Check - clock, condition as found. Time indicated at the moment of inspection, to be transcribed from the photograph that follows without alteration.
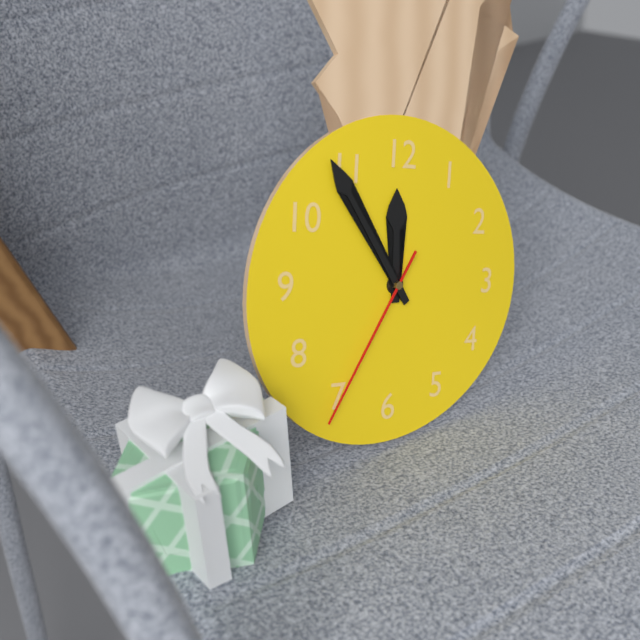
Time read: 11:54:35
